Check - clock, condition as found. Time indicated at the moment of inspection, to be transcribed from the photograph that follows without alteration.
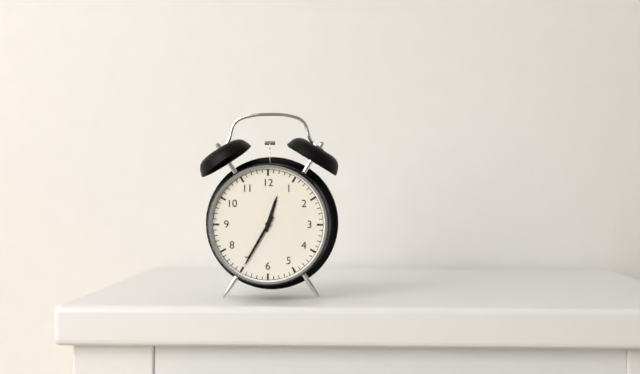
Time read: 12:35
